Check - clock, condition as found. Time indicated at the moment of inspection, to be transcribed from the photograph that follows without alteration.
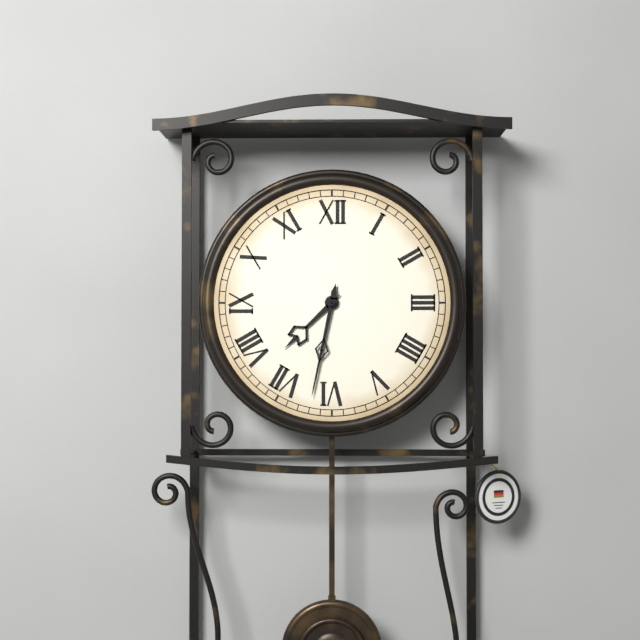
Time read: 7:32
